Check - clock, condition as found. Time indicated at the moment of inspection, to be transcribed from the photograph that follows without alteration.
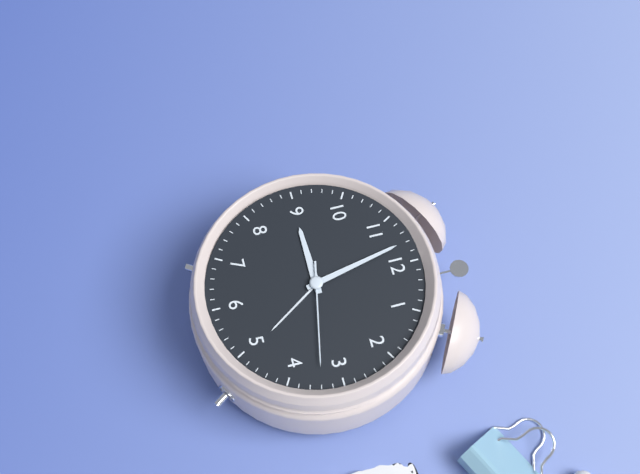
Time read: 8:58:17
